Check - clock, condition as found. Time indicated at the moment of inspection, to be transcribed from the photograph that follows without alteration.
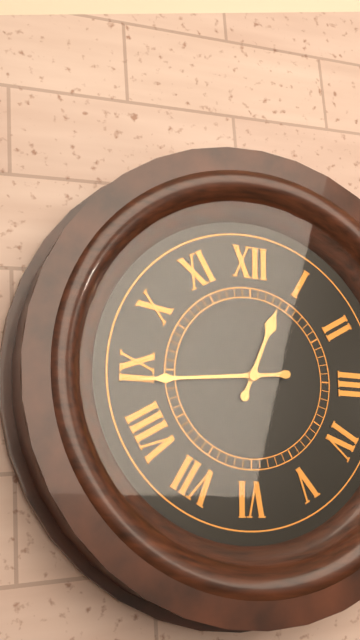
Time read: 12:44
